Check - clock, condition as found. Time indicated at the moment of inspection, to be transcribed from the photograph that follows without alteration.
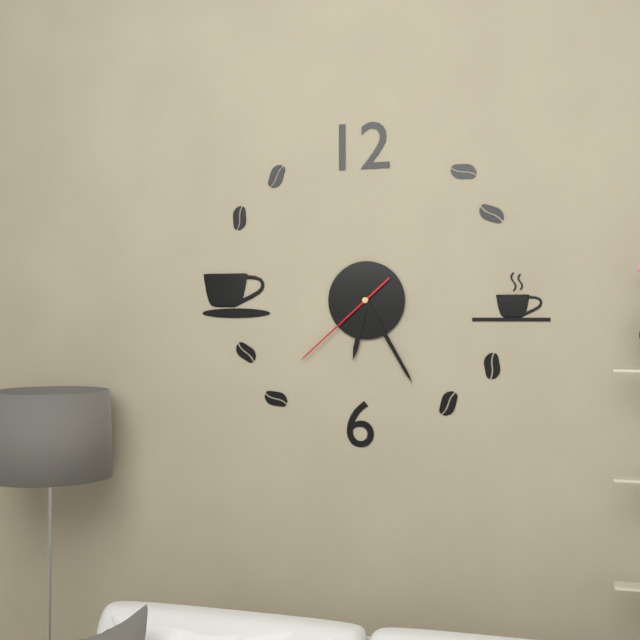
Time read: 6:25:38
